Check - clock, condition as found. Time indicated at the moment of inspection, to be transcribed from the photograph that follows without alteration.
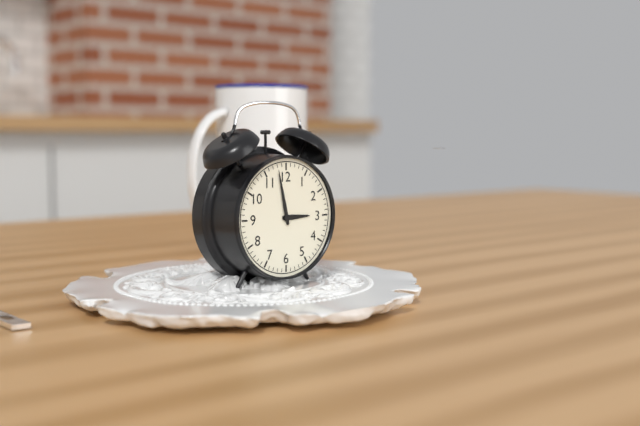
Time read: 2:58
